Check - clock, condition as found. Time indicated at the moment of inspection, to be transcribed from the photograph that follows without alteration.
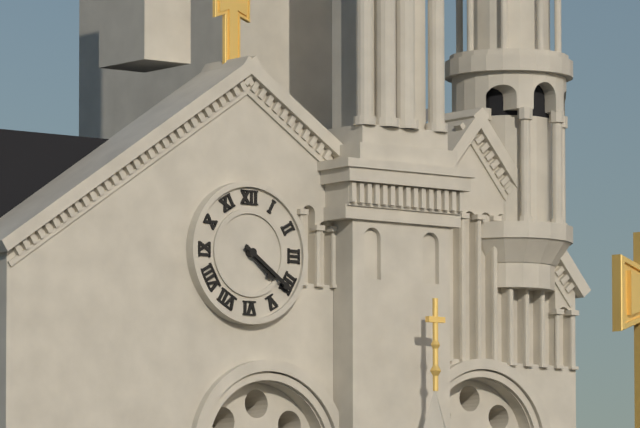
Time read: 4:21
